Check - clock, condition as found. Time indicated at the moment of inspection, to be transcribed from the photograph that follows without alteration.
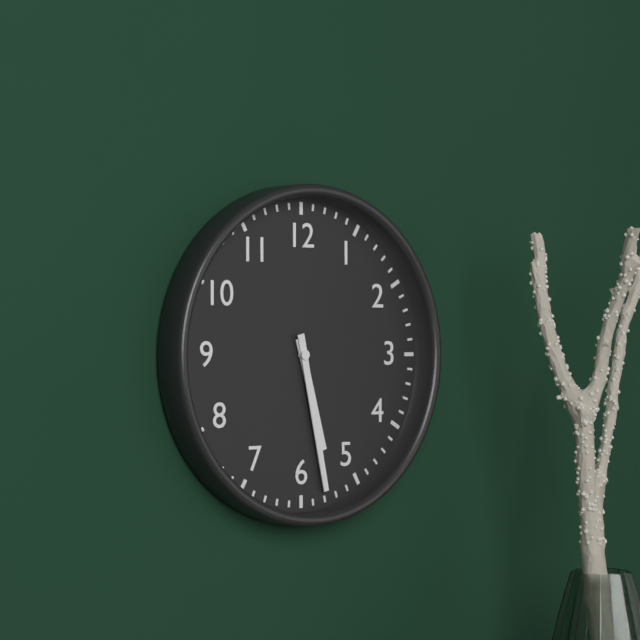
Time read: 5:28
